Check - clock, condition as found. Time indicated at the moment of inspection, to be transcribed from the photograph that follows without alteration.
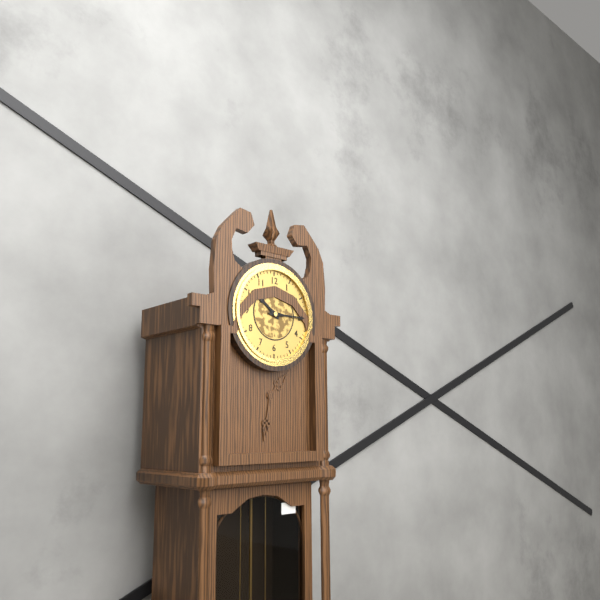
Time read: 10:15
